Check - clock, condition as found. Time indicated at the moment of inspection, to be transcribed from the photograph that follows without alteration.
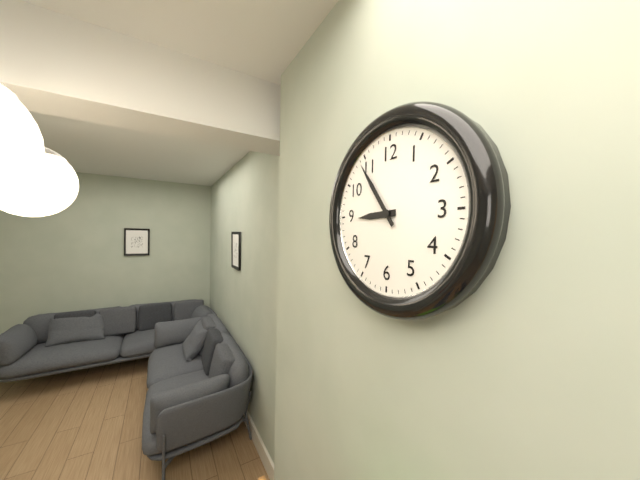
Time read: 8:54
